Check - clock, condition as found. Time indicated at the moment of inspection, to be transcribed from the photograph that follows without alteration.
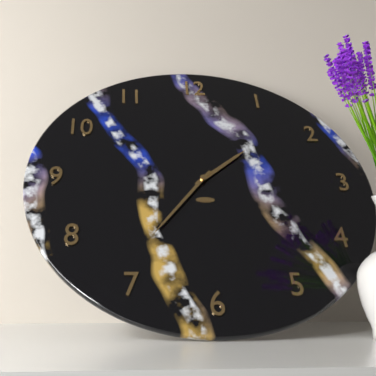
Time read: 1:36
